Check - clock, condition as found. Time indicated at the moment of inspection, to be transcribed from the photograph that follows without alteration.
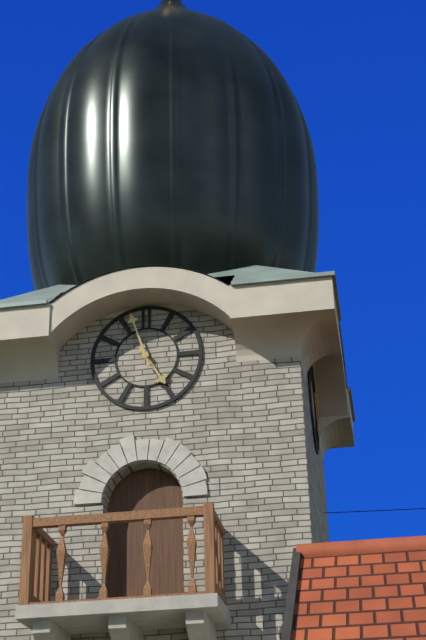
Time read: 4:57
